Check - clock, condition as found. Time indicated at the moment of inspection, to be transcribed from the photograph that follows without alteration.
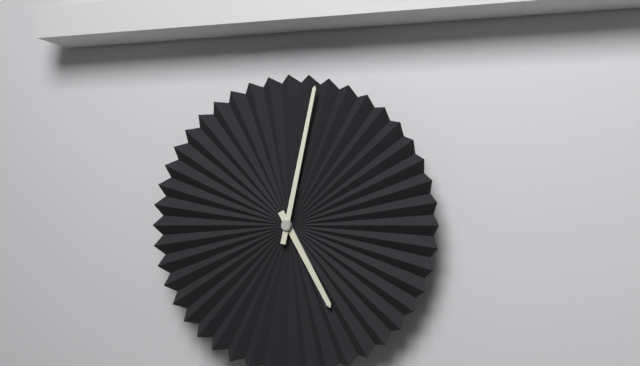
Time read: 5:02
